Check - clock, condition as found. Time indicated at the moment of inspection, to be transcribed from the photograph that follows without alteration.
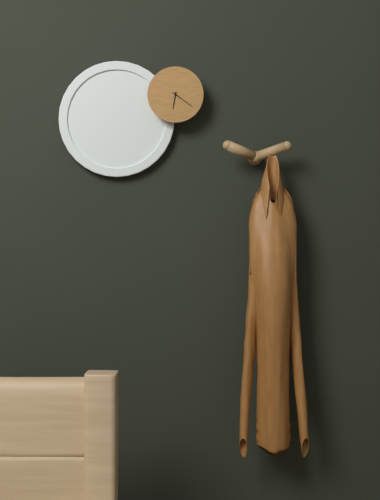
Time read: 6:21
